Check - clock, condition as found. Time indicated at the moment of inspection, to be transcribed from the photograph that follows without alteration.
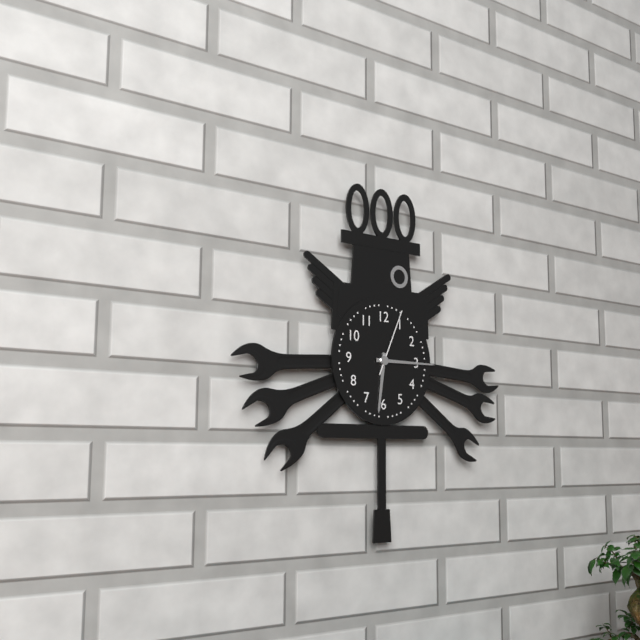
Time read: 6:15:04
